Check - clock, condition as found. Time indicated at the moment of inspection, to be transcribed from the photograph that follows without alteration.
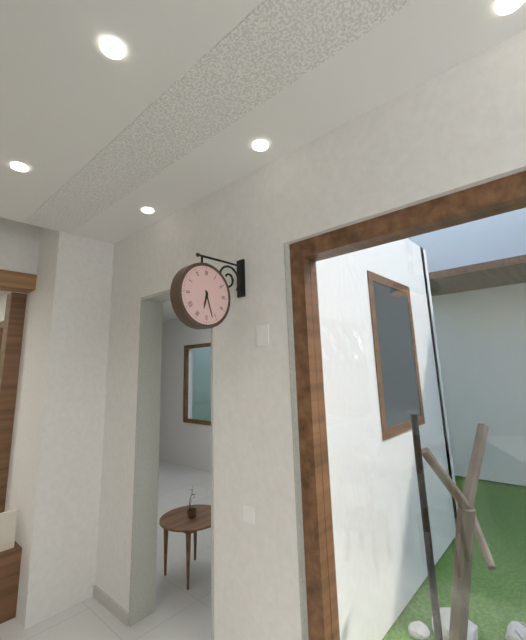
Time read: 6:27
